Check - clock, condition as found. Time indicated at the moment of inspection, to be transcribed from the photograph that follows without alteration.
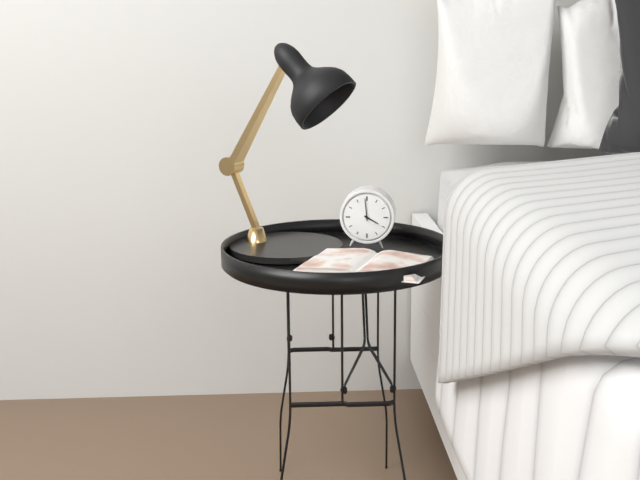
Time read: 3:59
